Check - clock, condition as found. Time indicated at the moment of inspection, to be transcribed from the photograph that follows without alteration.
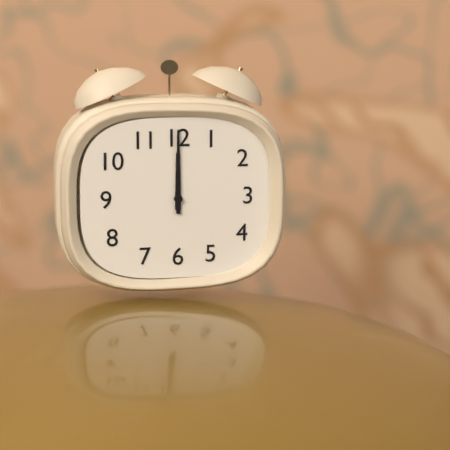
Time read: 12:00
